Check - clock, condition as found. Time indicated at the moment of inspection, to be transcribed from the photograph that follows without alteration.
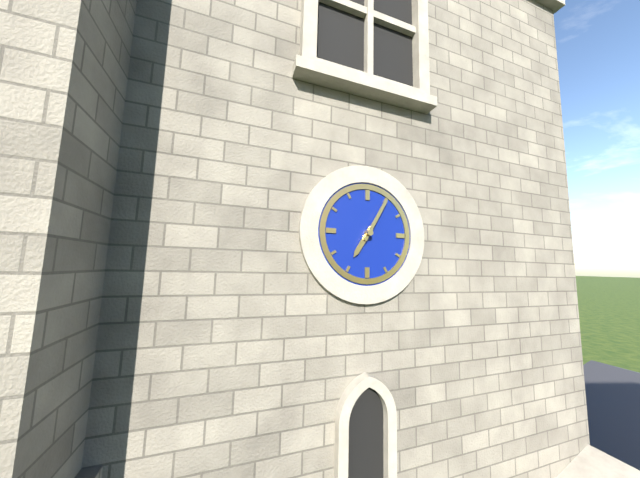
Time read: 7:05
